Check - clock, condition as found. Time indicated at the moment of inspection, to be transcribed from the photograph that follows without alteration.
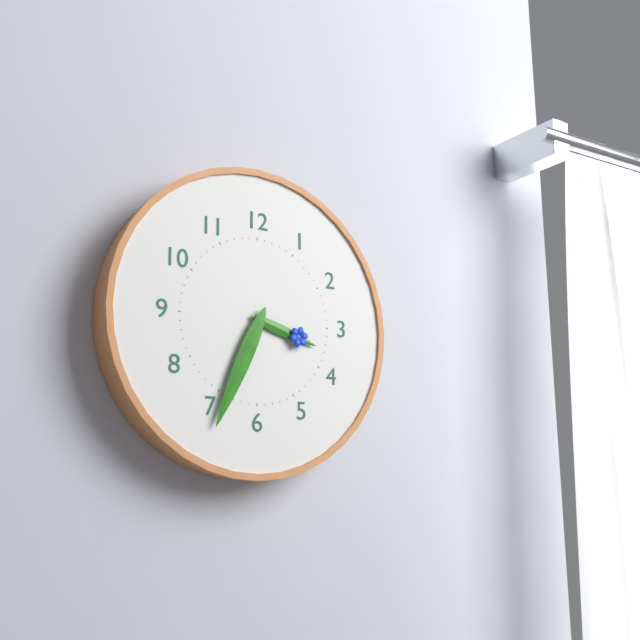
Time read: 3:34
